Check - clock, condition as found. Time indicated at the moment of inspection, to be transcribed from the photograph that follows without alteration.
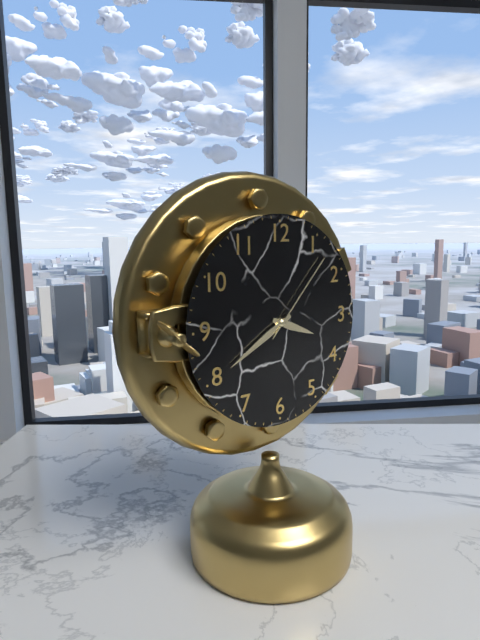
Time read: 3:40:07
